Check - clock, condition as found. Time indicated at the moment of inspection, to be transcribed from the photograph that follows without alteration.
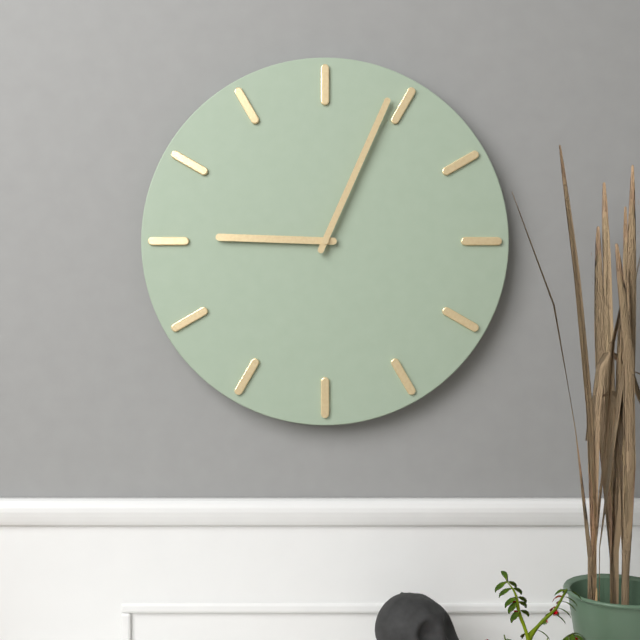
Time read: 9:04
